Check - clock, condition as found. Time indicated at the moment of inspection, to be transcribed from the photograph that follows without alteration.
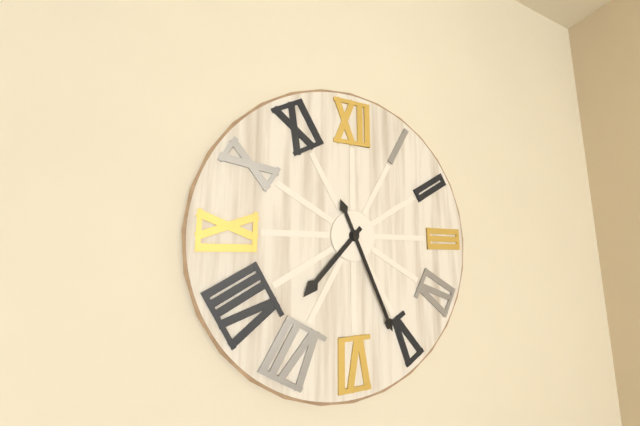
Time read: 7:26
